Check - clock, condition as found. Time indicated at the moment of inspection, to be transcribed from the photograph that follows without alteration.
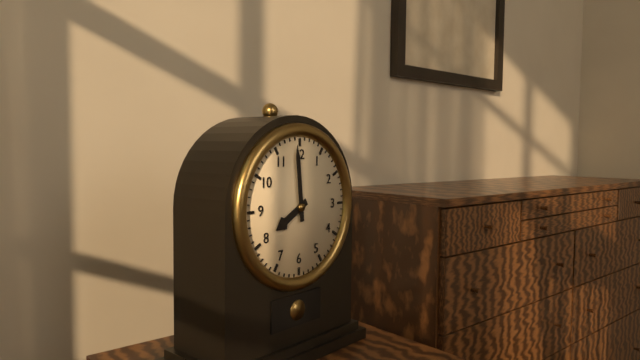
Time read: 7:59
